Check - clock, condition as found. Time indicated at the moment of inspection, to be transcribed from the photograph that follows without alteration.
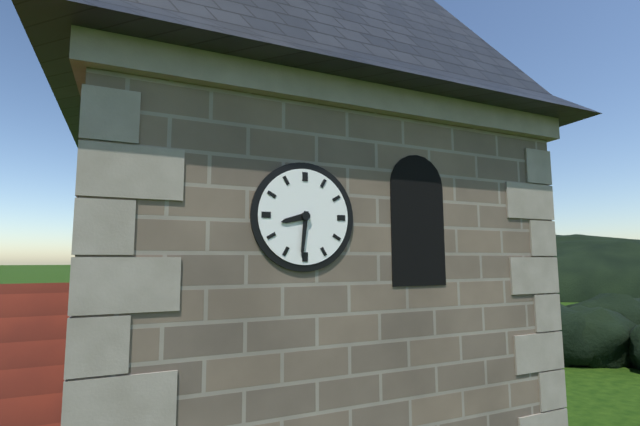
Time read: 8:31
